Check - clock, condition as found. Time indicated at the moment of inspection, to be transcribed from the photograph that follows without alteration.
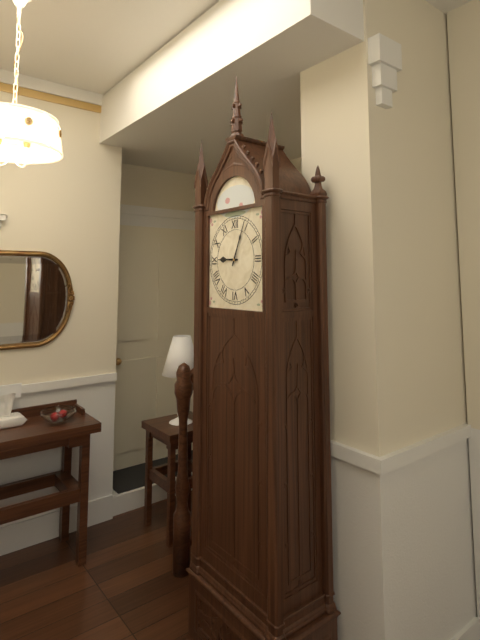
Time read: 9:04
